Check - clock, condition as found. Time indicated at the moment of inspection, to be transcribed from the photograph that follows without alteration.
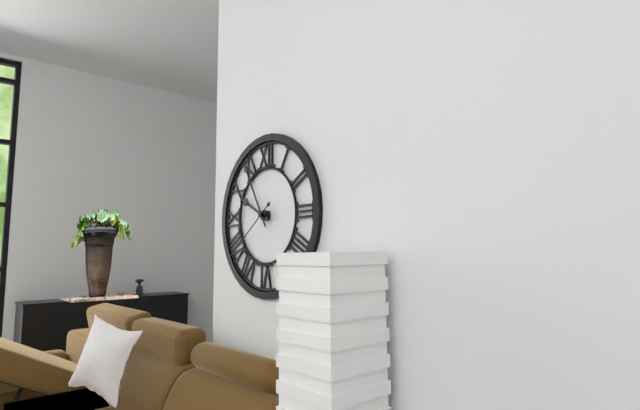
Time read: 9:55:39
